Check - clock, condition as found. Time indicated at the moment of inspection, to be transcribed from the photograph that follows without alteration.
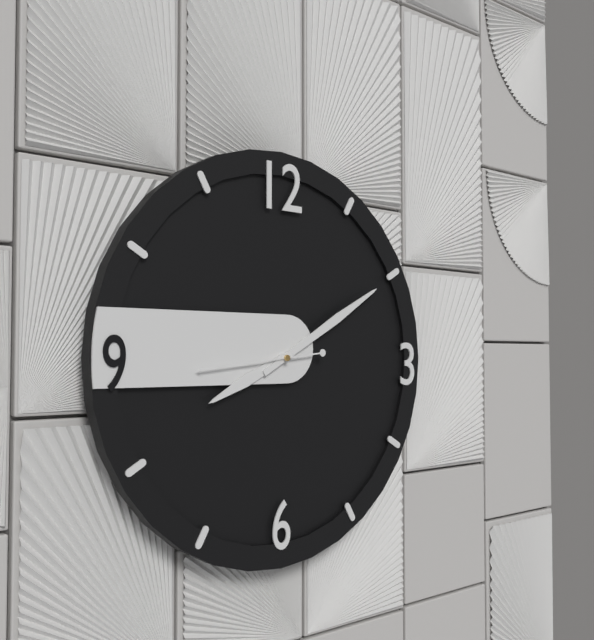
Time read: 8:10:44
